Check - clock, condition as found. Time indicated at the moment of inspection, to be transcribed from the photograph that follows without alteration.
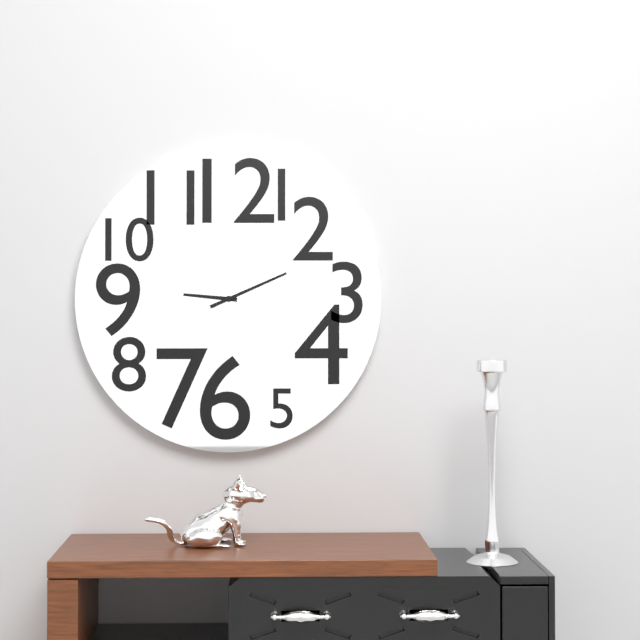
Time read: 9:11
